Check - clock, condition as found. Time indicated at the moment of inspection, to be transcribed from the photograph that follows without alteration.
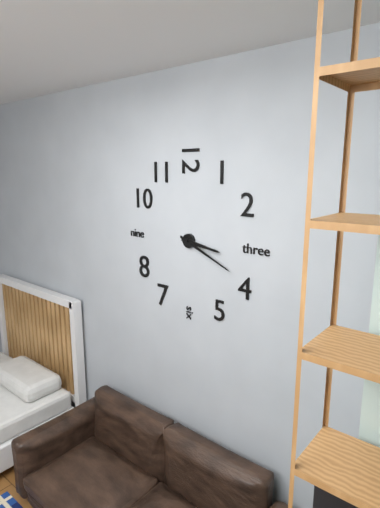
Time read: 3:19
